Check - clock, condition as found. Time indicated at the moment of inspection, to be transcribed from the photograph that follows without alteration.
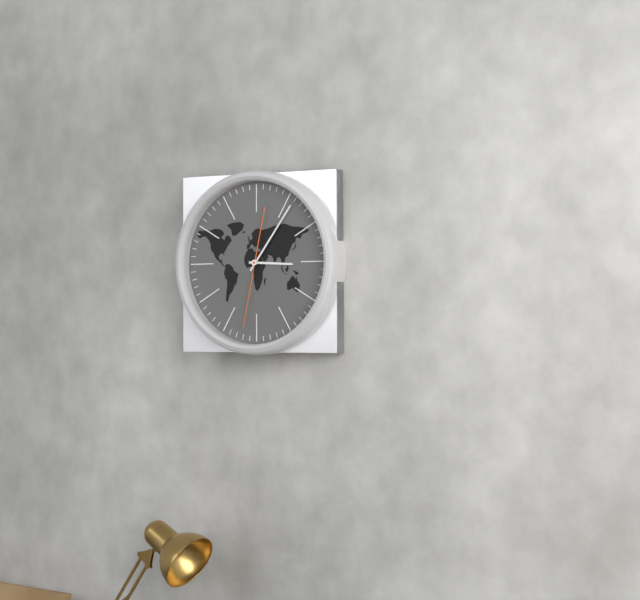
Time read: 3:06:32
